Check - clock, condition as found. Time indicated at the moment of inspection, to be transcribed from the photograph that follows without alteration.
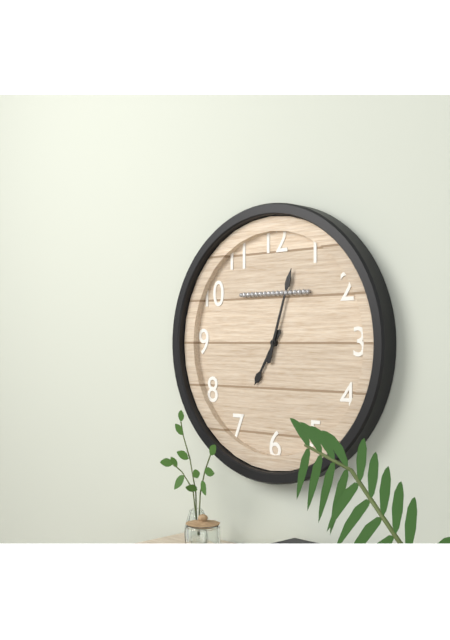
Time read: 7:03
